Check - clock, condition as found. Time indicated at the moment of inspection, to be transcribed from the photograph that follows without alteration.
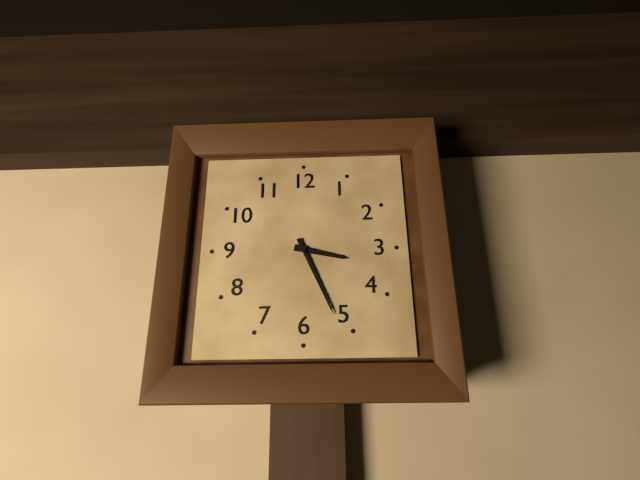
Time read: 3:26
